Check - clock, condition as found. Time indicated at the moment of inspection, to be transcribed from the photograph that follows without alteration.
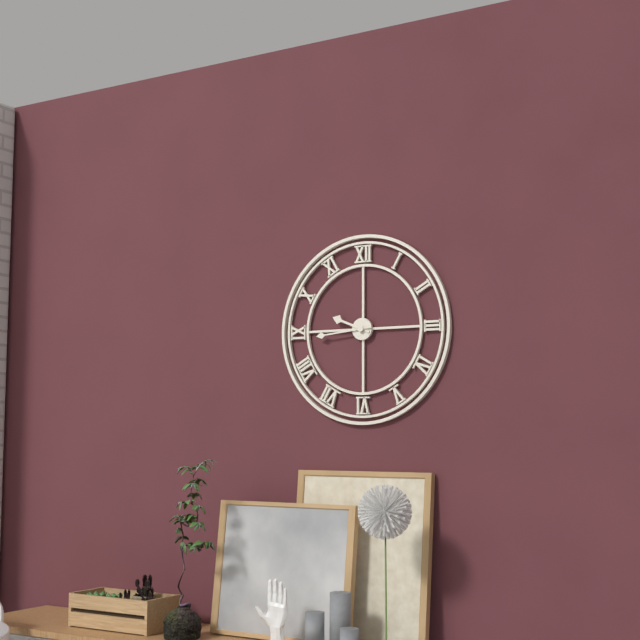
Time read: 9:44
